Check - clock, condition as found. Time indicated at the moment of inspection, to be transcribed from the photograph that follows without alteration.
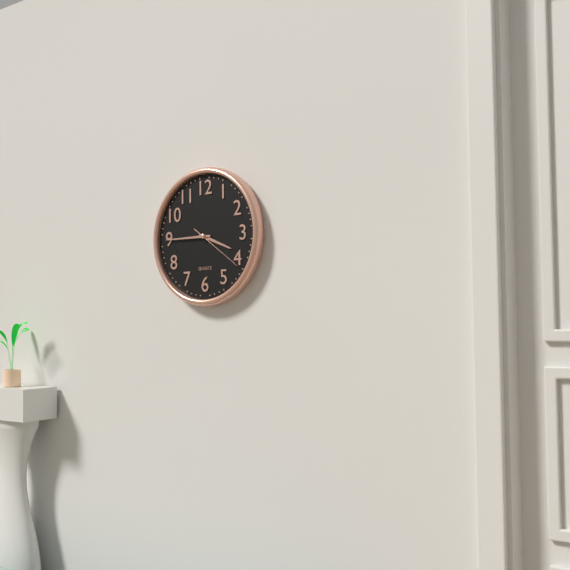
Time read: 3:45:21
